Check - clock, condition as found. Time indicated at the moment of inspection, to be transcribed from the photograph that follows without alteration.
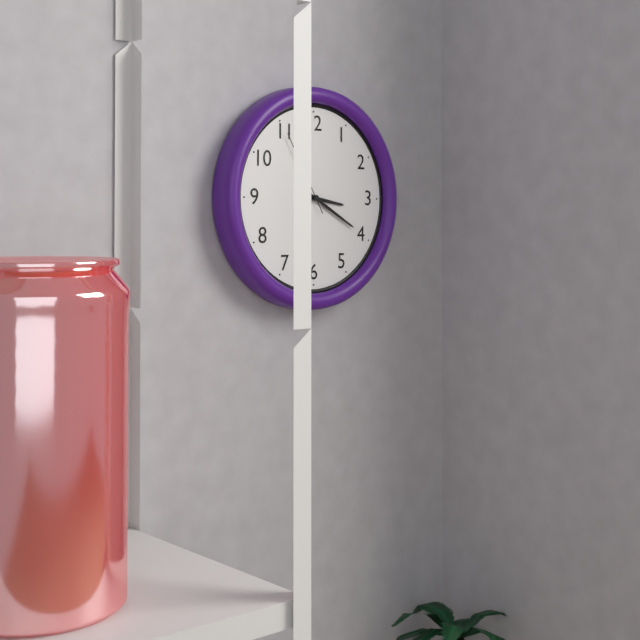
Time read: 3:20:55
